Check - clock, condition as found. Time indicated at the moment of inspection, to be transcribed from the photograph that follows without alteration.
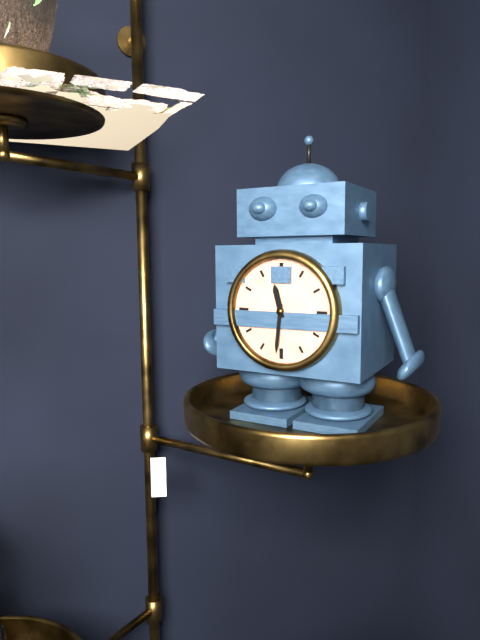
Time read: 11:31
